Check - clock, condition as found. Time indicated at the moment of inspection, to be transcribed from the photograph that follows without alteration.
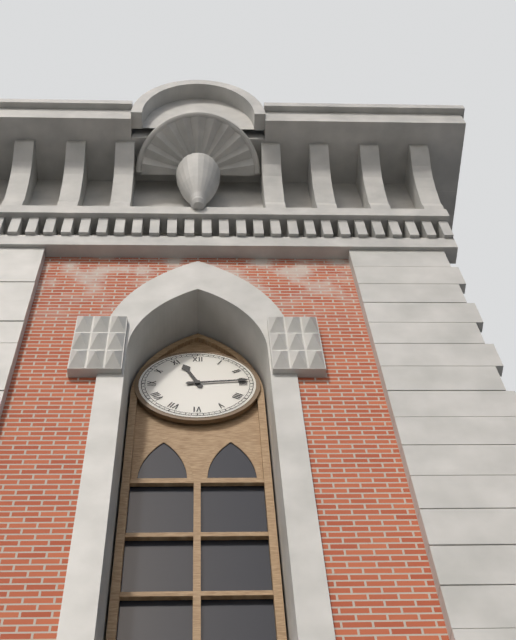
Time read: 11:14
